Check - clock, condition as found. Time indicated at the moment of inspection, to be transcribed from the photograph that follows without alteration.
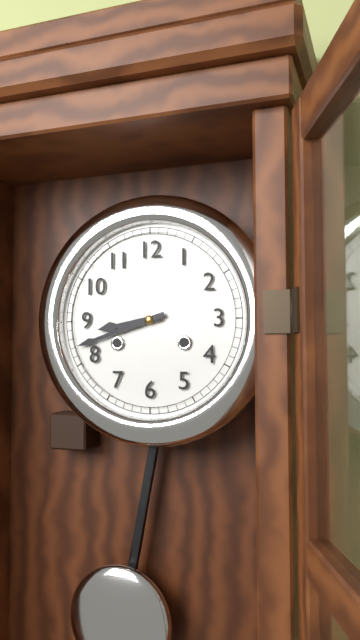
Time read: 8:42
